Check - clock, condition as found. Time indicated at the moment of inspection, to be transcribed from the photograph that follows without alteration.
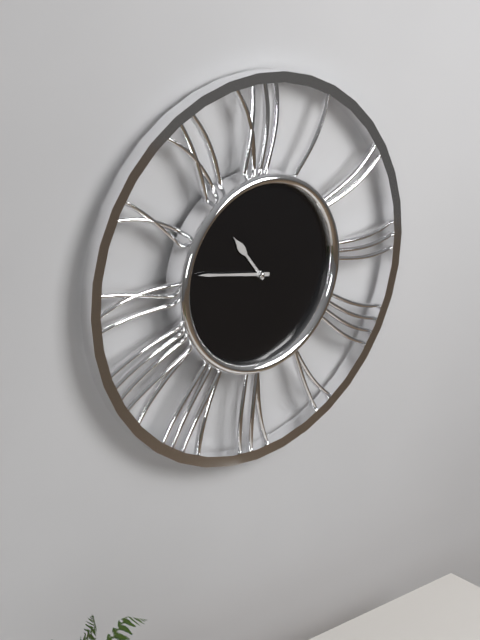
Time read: 10:47
